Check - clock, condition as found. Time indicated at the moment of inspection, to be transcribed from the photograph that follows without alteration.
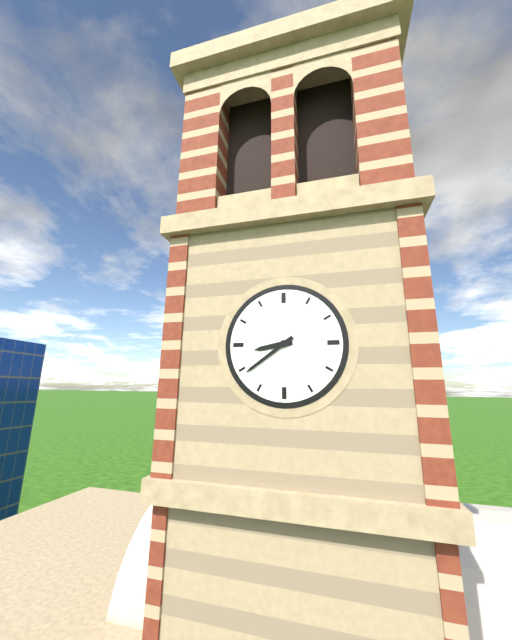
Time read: 8:39
